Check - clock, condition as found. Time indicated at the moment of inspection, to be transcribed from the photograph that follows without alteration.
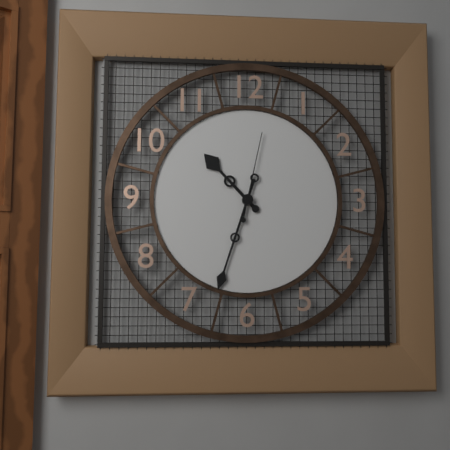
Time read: 10:33:02
